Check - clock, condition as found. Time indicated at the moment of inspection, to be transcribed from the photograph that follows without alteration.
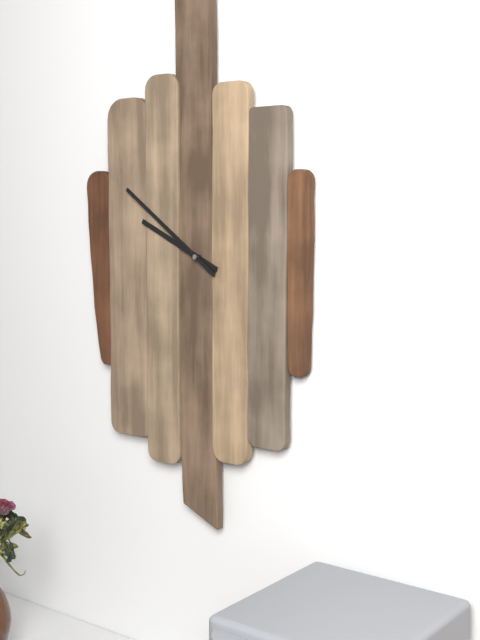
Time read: 9:51
